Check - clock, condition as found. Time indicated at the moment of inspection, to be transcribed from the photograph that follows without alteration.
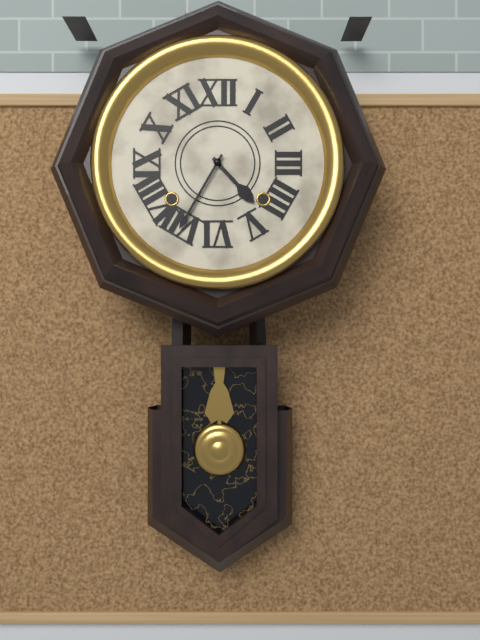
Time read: 4:35
